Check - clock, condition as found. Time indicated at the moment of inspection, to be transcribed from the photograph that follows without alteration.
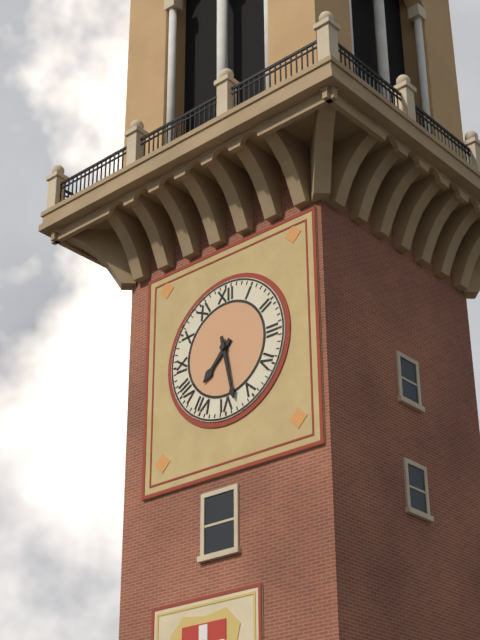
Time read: 7:28
